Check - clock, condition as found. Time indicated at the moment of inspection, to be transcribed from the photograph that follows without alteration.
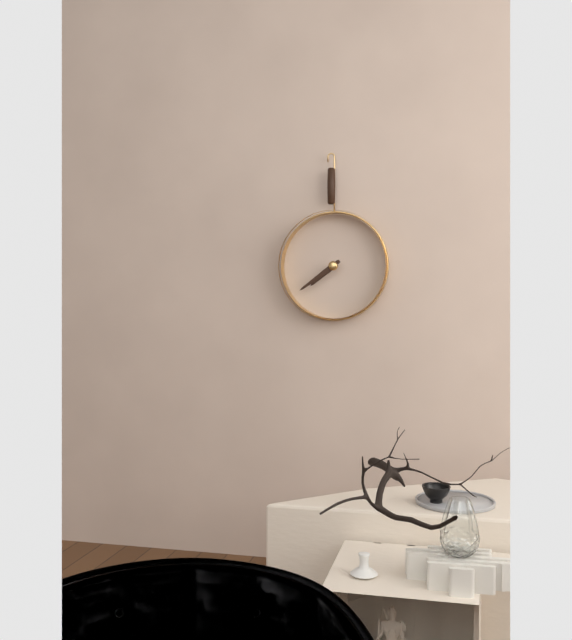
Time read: 7:39
